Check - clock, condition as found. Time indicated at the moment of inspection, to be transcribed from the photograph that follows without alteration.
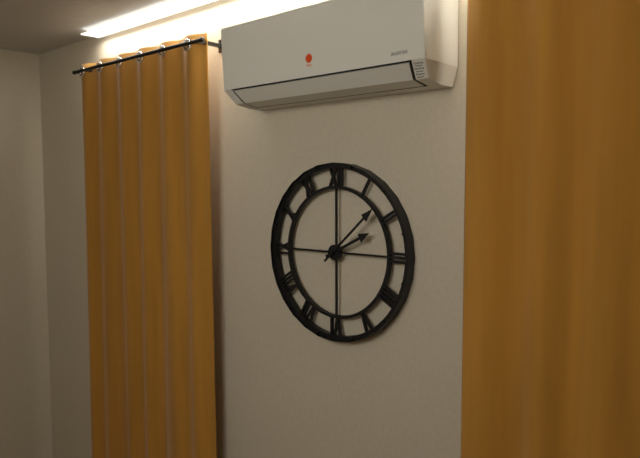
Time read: 2:08
